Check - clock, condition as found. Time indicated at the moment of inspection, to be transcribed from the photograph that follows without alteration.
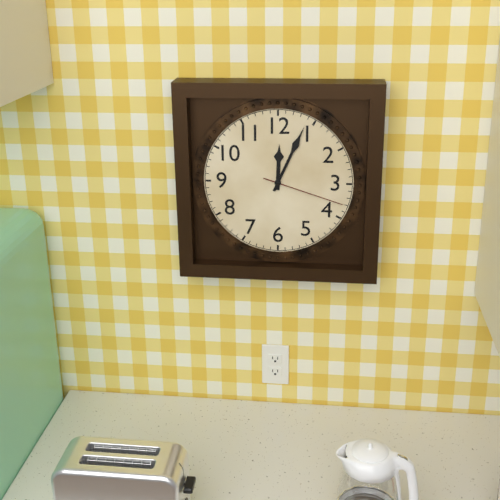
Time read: 12:04:18
